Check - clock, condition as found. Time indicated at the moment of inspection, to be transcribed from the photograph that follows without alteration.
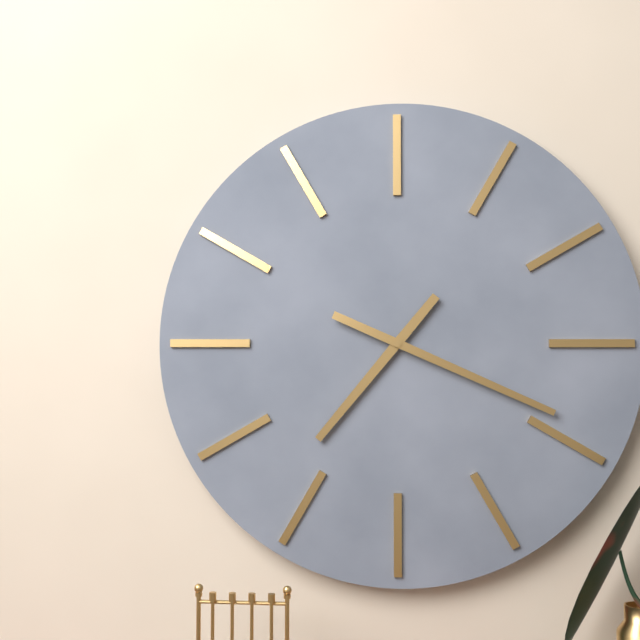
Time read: 7:19
